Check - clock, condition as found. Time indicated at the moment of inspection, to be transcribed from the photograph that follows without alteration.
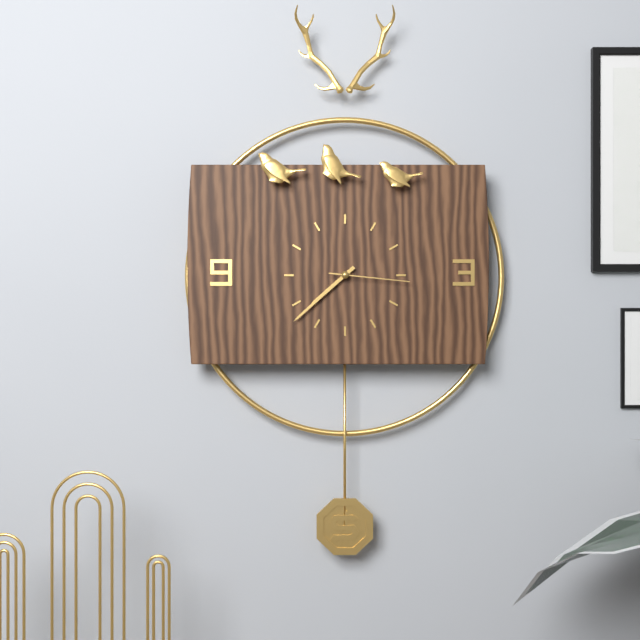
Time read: 7:38:16
